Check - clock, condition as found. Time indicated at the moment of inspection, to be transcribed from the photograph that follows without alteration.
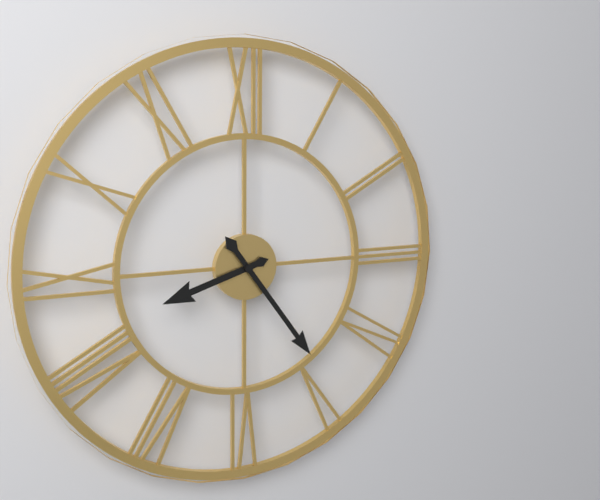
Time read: 8:24
